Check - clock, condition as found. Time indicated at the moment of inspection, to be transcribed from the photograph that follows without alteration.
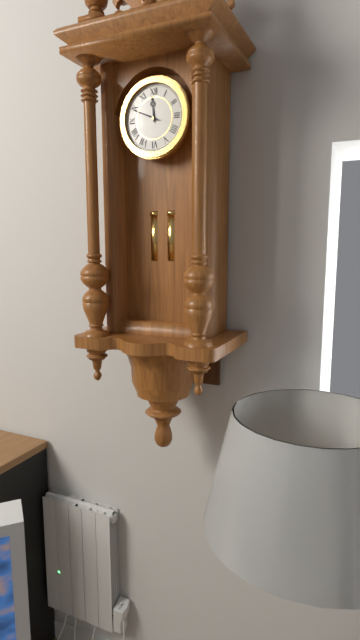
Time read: 11:49
